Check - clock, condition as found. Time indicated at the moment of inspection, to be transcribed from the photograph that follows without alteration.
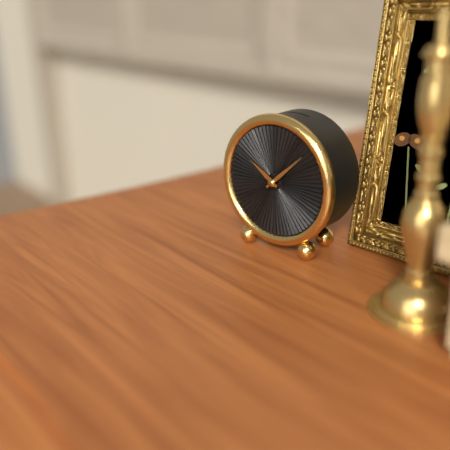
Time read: 10:08
